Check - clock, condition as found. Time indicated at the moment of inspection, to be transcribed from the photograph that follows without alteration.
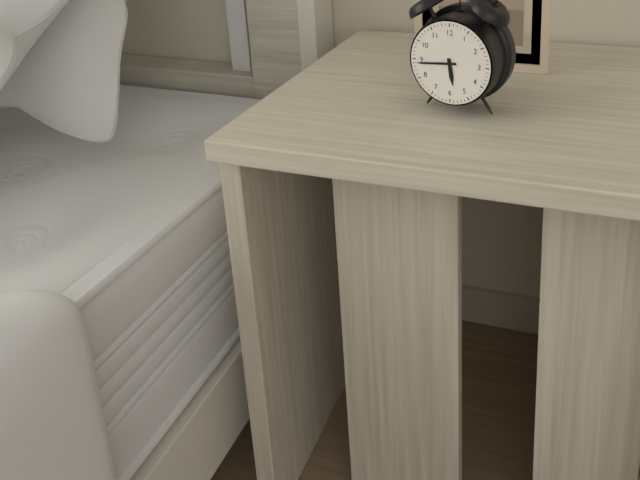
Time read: 5:44
